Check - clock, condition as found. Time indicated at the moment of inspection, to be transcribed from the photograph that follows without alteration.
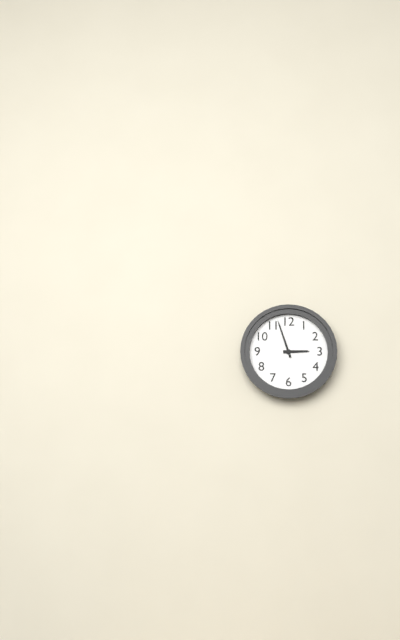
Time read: 2:57
